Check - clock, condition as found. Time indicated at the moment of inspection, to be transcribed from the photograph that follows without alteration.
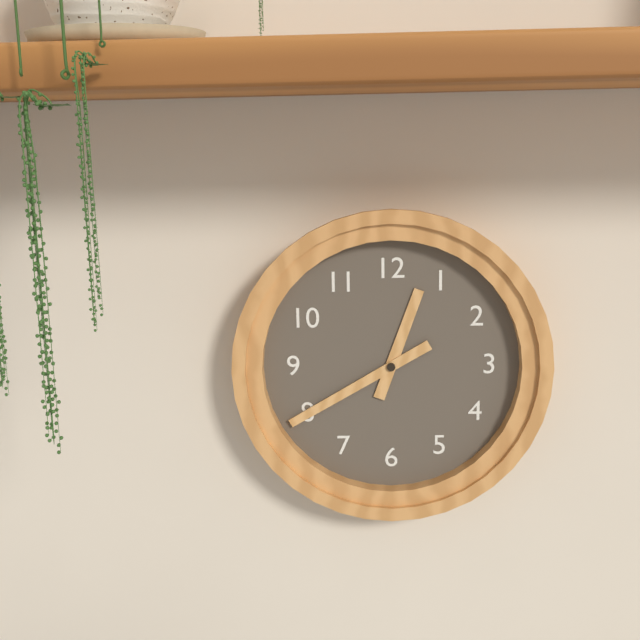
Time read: 12:40
